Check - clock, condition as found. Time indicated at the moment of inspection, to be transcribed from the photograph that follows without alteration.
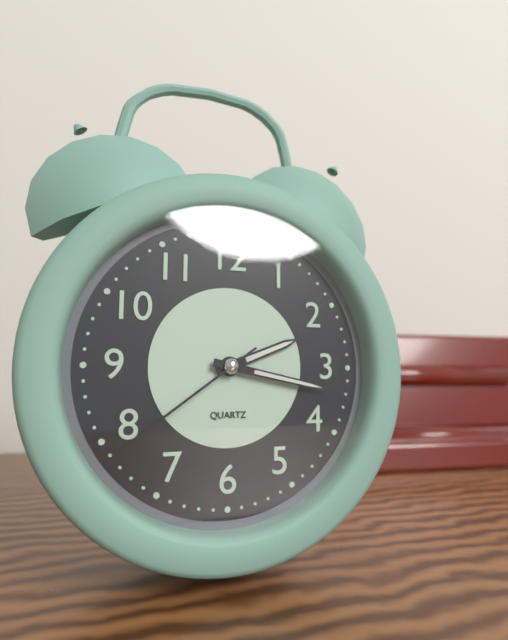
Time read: 2:17:39
